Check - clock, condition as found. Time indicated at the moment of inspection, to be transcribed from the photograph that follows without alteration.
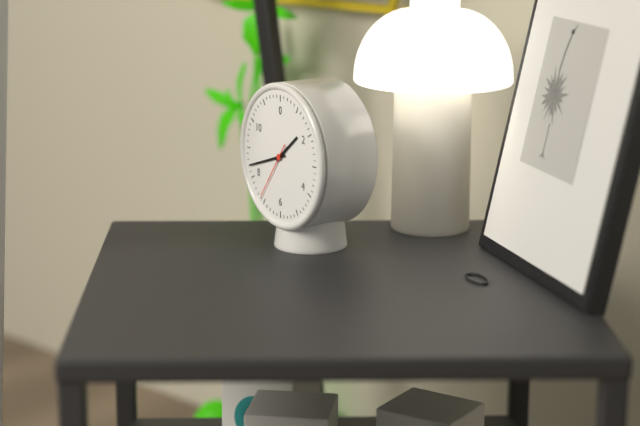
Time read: 1:42:36
